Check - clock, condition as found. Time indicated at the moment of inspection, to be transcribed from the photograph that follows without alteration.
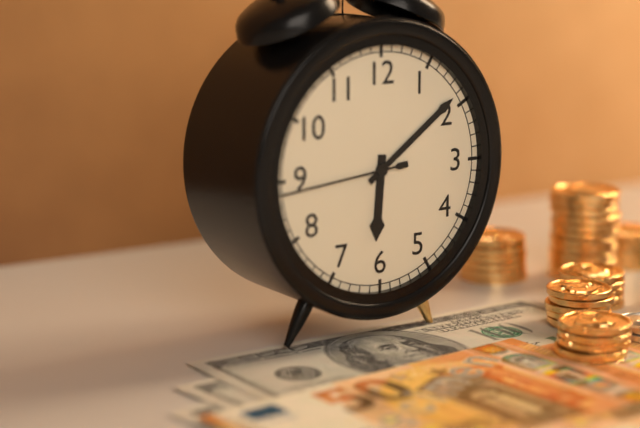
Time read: 6:09:44
